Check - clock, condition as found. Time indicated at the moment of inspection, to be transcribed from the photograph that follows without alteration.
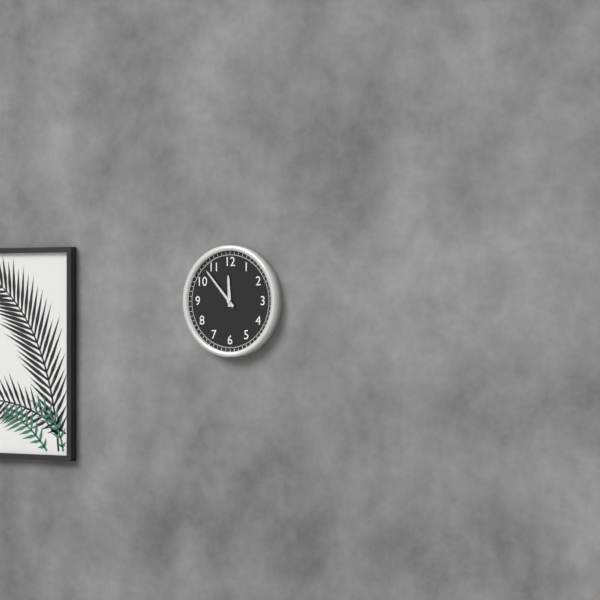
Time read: 11:53
